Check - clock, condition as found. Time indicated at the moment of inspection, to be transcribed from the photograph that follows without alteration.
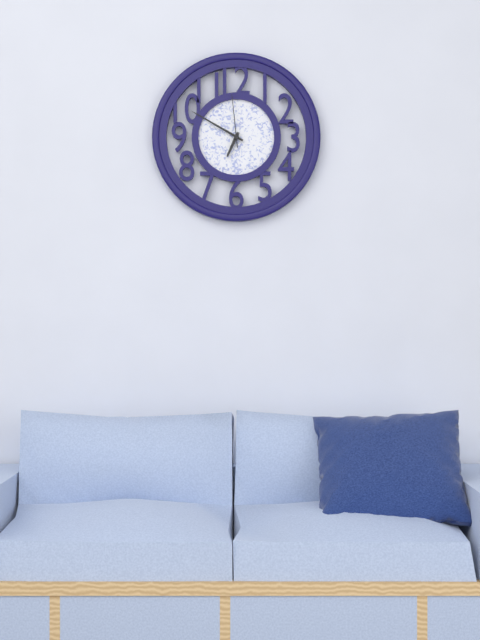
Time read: 6:50:59
